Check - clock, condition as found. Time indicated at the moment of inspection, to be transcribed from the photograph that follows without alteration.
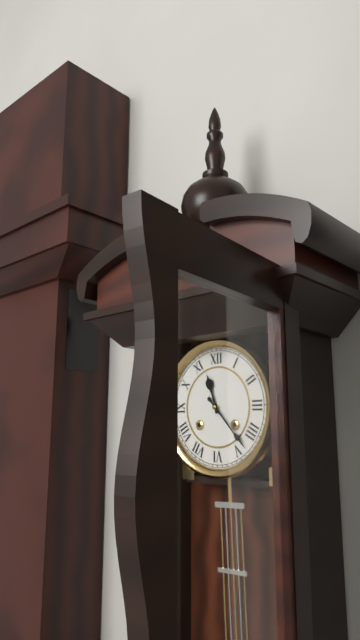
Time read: 11:23
